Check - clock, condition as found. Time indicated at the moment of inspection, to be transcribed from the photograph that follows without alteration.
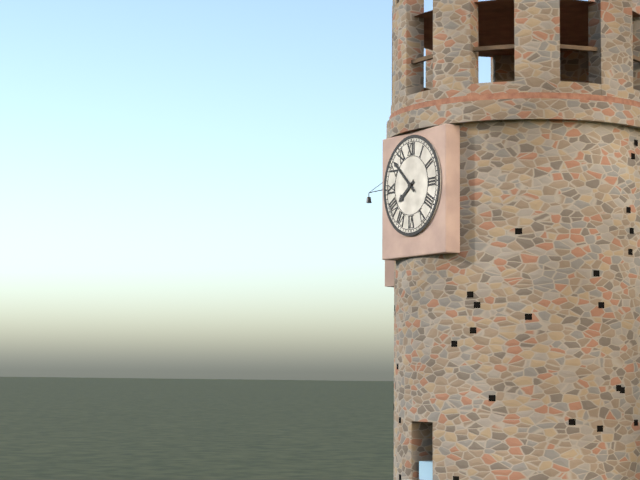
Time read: 7:52
